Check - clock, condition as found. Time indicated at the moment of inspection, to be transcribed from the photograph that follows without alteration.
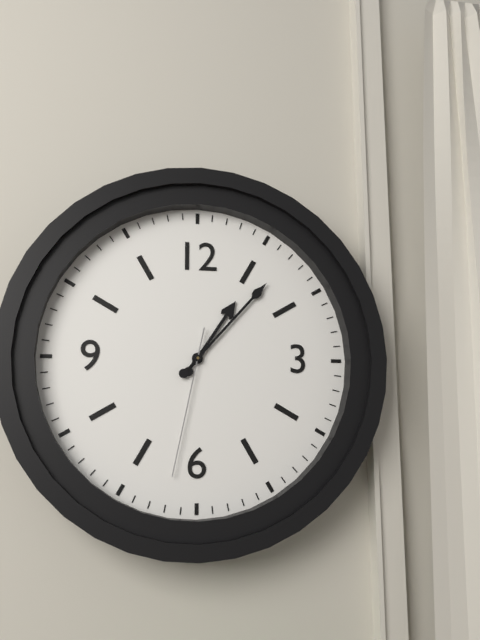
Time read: 1:07:32
